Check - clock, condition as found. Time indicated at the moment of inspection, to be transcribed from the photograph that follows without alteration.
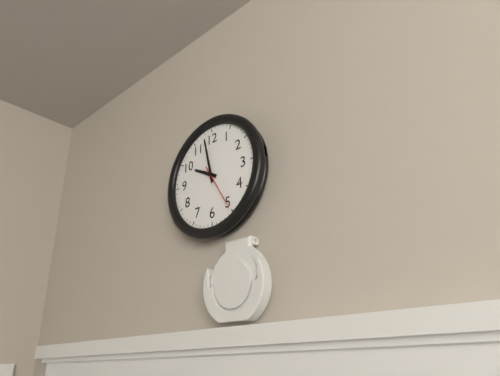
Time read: 9:58
